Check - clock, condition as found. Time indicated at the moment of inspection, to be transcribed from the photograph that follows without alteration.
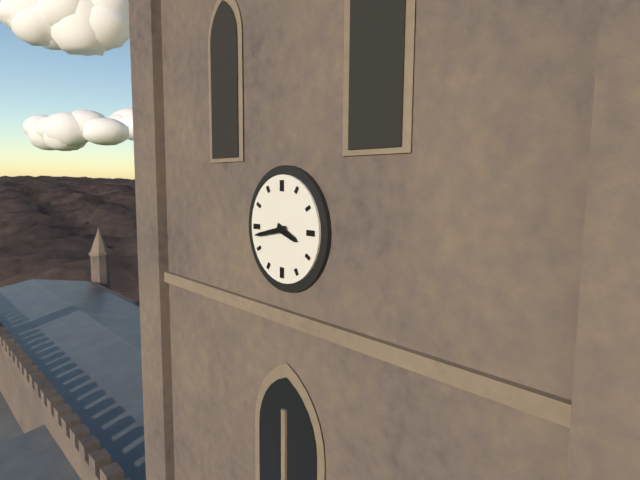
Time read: 3:43
